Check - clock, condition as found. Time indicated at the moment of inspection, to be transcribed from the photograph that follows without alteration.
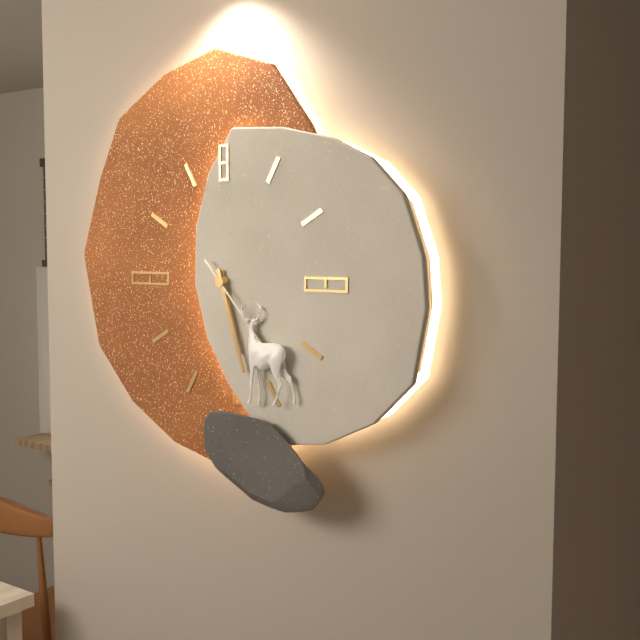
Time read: 5:27
